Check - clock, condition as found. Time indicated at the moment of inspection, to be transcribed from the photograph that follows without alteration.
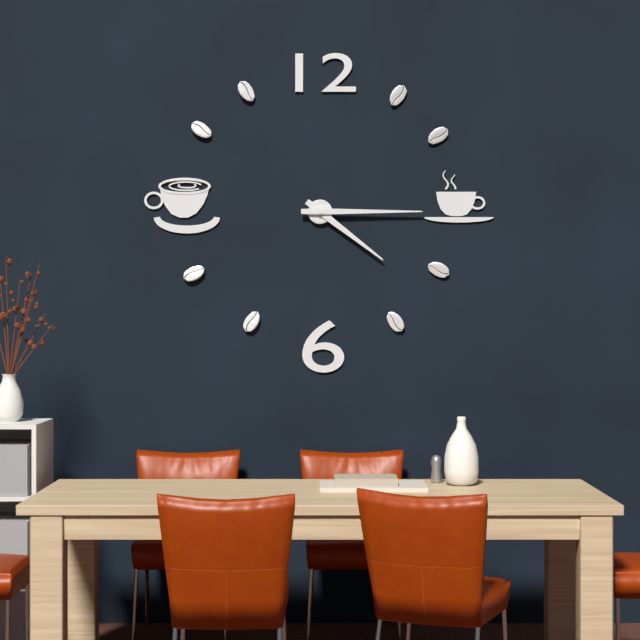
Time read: 4:15
